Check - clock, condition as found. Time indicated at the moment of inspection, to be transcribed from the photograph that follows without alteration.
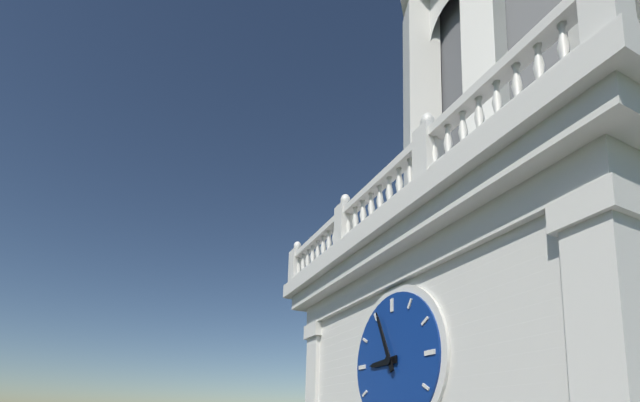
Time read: 8:56
